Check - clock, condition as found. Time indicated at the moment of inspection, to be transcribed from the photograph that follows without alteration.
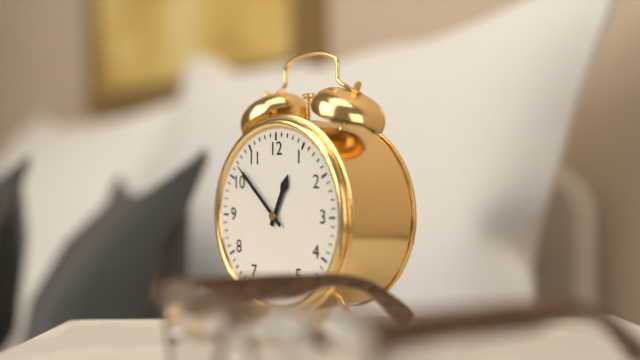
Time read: 12:52
